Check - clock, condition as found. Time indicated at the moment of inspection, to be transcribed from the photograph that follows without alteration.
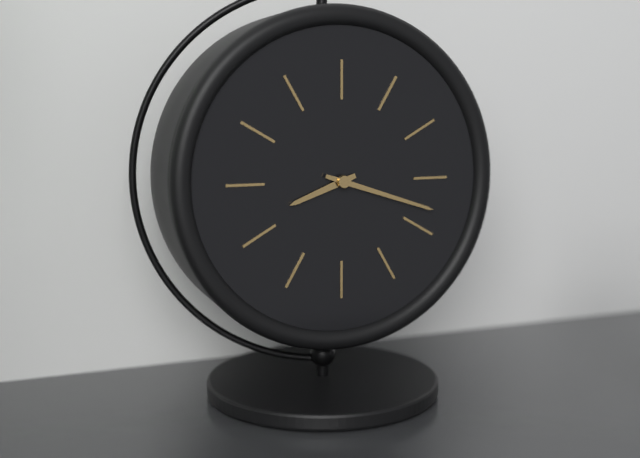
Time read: 8:18
